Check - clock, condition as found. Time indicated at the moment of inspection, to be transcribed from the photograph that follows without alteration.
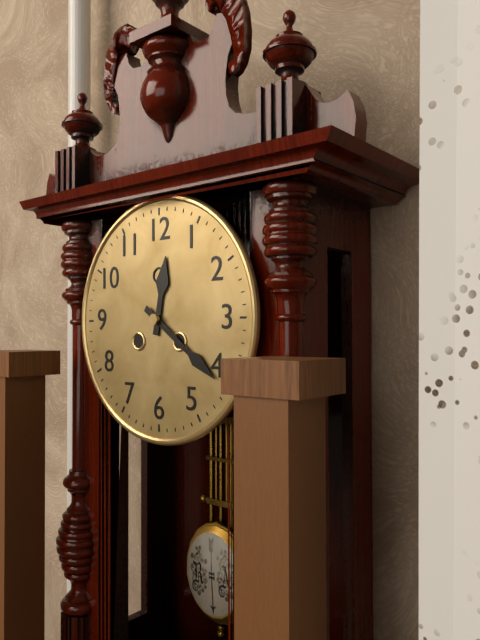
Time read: 12:21
